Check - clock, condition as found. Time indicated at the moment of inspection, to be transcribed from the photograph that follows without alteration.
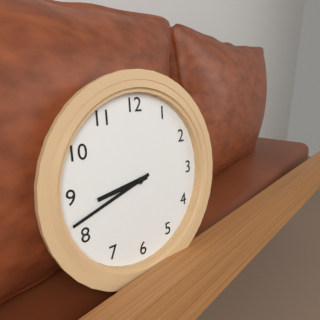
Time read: 8:42
